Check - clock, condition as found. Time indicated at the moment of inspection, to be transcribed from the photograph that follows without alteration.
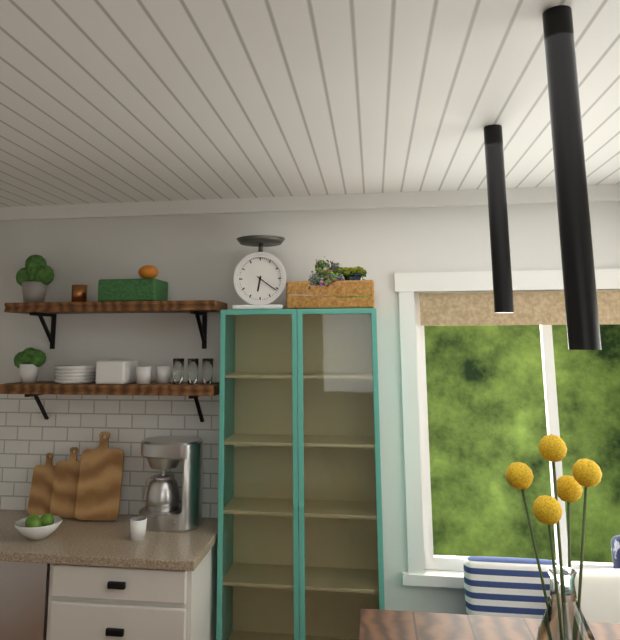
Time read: 6:21
